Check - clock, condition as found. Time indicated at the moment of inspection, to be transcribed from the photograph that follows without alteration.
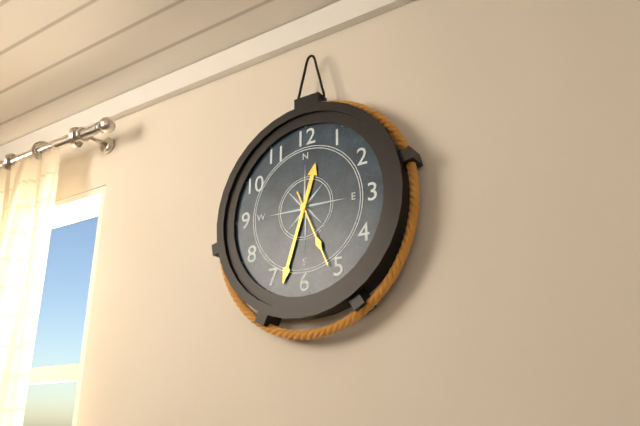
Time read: 12:33:26
